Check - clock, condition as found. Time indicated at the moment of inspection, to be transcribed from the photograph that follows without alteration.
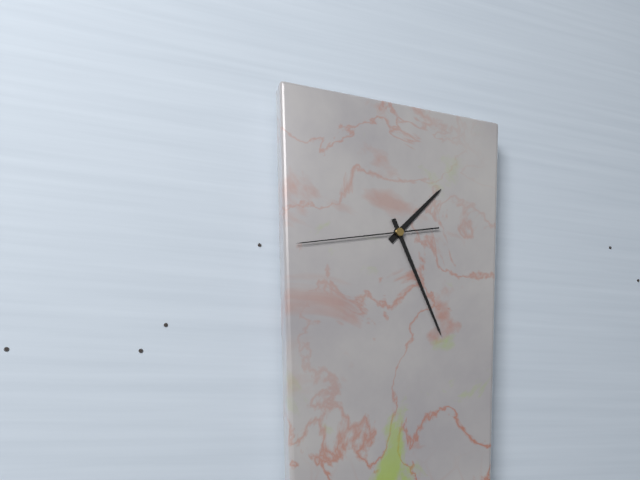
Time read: 1:26:43
